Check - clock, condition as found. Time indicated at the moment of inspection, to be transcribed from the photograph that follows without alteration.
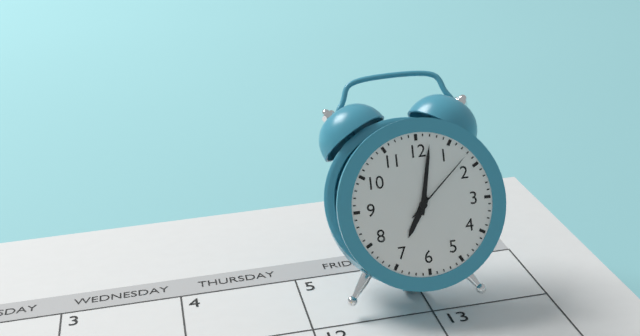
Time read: 7:02:08
